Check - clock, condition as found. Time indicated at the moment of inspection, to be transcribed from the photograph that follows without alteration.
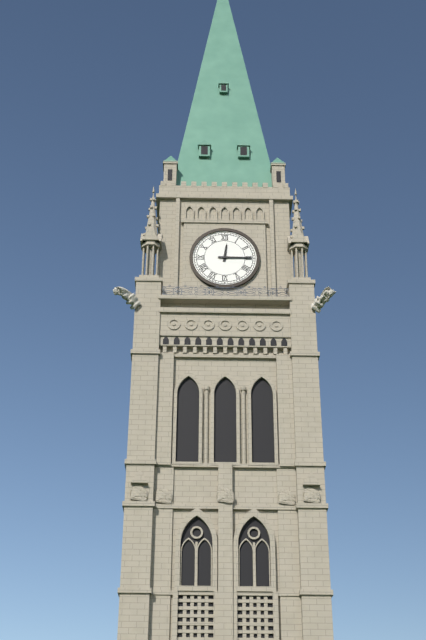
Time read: 12:15
